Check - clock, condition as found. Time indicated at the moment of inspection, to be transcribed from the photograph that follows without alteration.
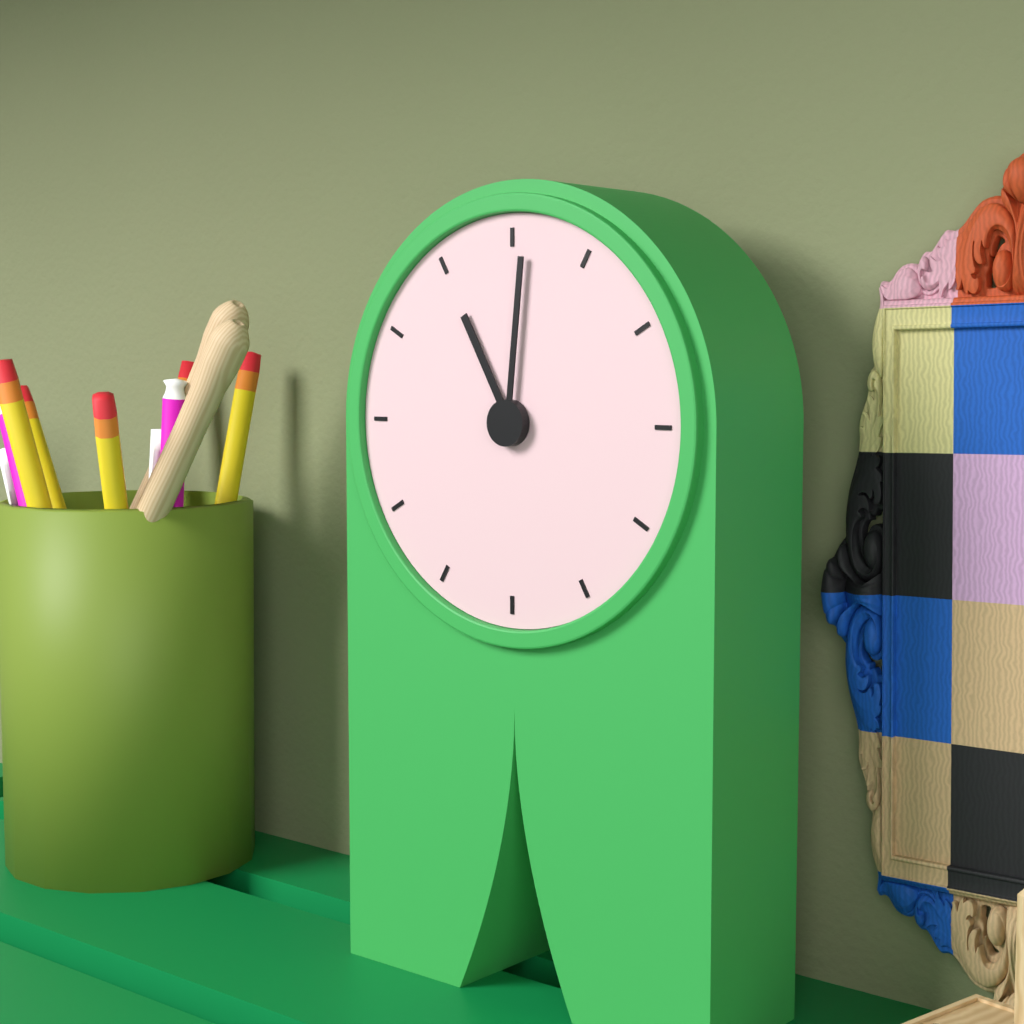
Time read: 11:01
